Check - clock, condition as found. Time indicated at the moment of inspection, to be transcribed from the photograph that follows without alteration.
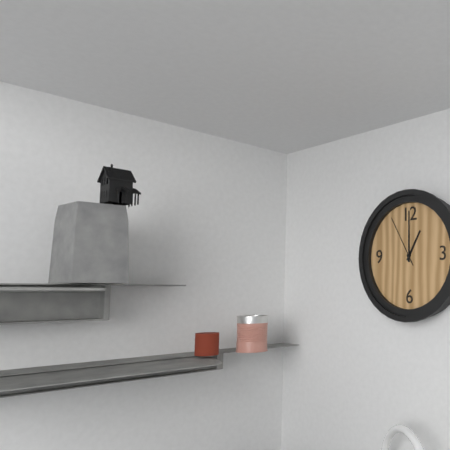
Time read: 1:00:55
